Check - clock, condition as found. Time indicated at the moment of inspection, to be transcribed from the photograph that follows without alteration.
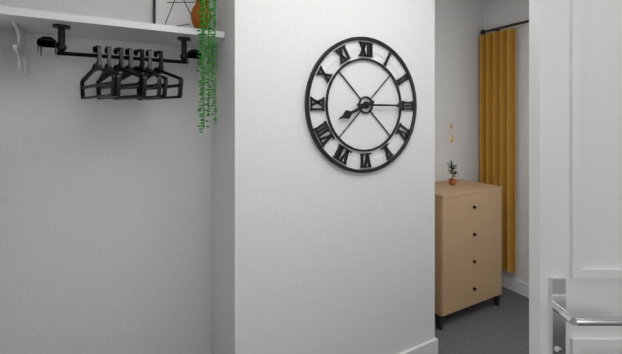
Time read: 8:15
